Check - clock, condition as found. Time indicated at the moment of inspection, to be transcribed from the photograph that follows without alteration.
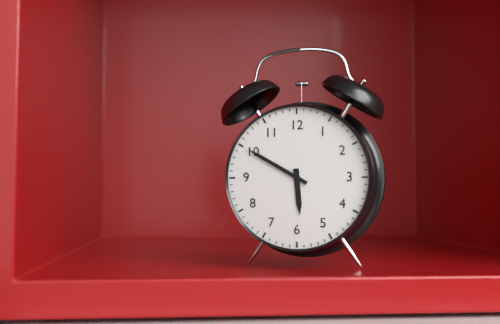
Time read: 5:50
